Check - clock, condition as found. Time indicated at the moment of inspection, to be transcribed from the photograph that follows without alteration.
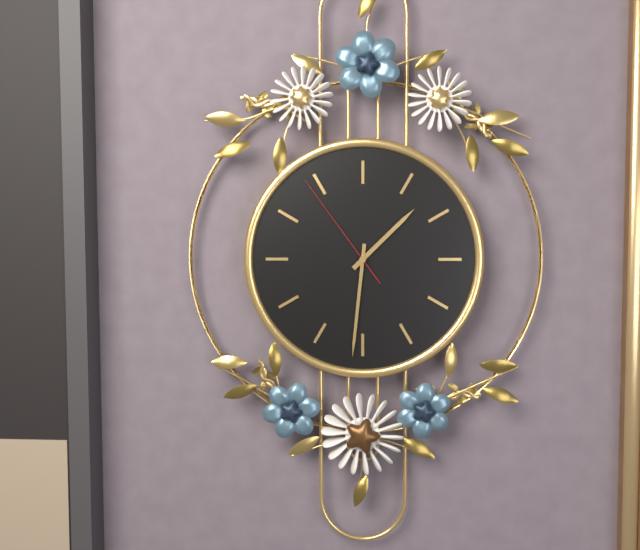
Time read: 1:31:54
